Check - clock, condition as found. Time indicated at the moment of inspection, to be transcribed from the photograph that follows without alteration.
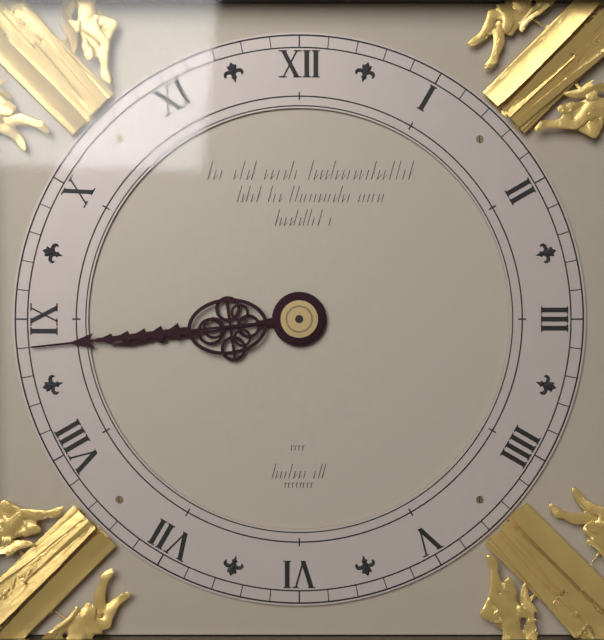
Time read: 8:44
